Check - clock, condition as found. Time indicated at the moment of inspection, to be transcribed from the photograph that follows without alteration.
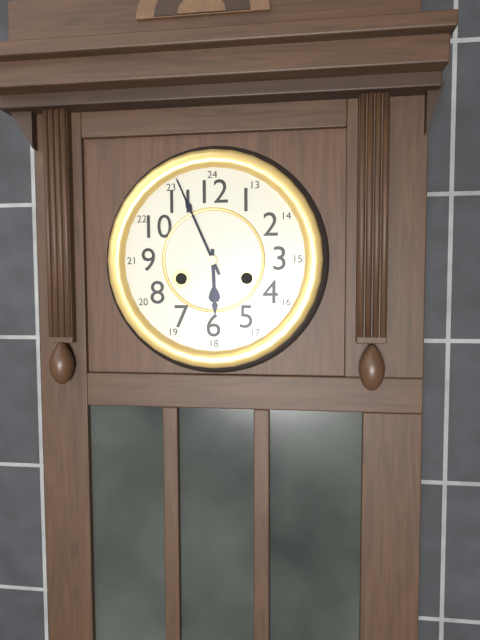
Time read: 5:56
